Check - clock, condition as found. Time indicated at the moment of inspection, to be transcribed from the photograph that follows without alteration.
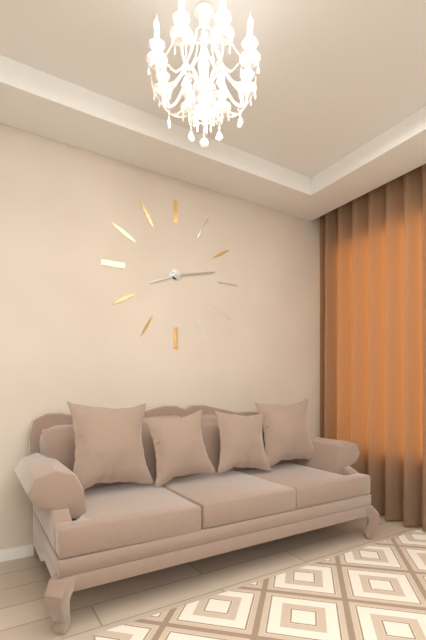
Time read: 8:13
